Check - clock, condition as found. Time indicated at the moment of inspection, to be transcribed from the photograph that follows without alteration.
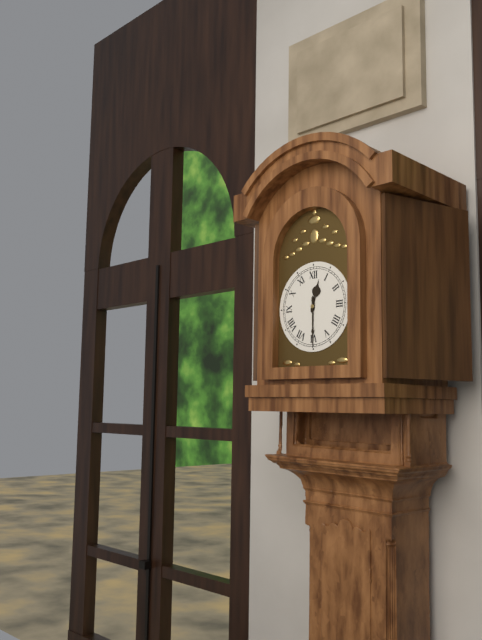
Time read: 12:30
